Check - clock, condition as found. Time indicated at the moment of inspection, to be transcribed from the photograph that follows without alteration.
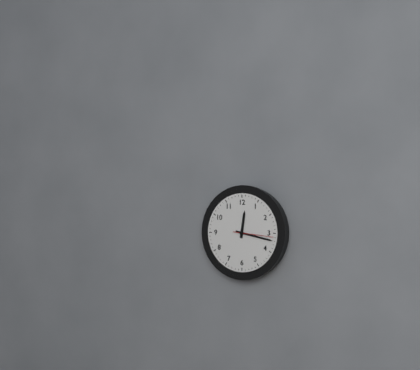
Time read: 12:17
